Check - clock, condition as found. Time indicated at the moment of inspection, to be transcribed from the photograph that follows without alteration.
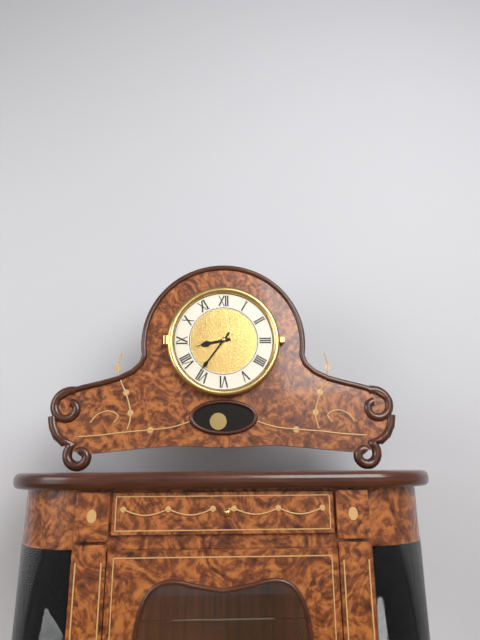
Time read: 8:36
